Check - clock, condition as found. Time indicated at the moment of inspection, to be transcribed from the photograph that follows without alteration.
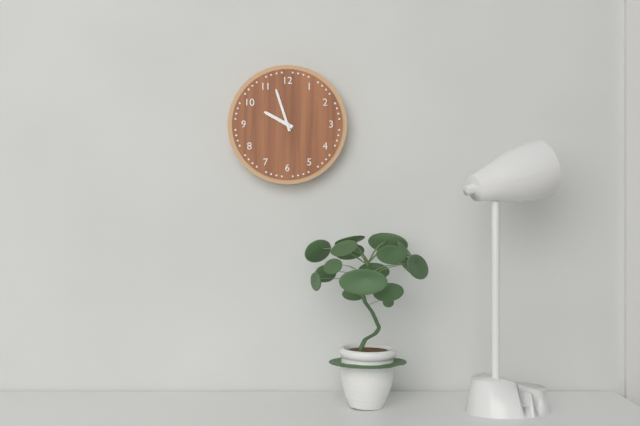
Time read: 9:57
